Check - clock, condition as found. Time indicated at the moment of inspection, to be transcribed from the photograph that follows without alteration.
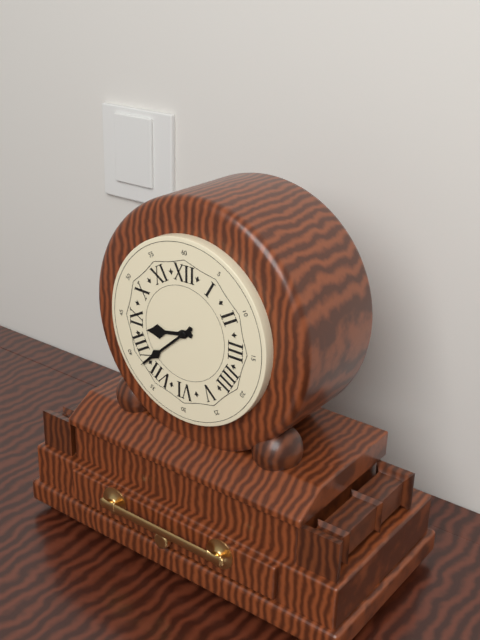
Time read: 8:38
